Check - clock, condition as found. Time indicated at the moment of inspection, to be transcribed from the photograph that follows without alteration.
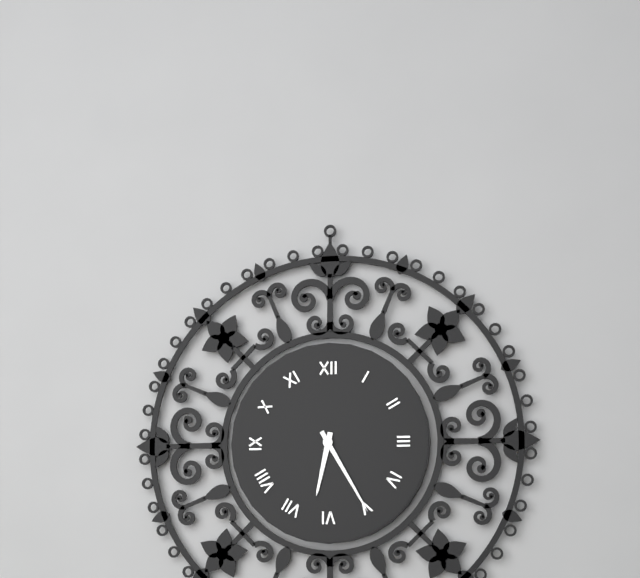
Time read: 6:25
